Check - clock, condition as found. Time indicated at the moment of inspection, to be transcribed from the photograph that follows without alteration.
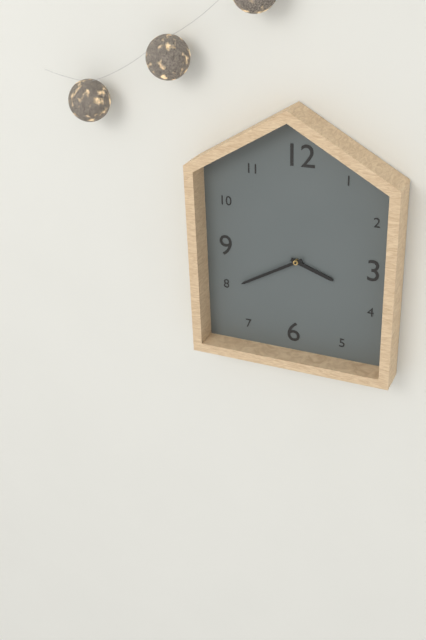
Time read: 3:40
